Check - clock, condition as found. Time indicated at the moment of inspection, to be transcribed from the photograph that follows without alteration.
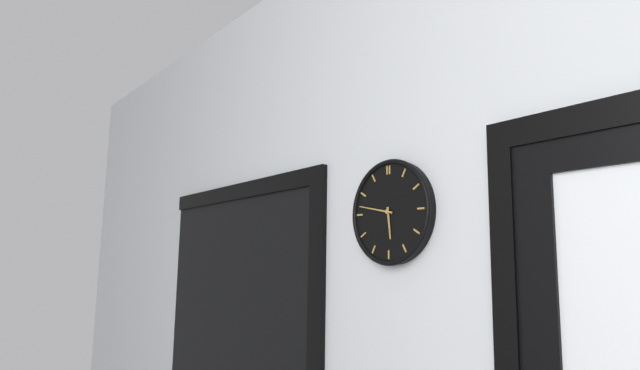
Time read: 5:47
